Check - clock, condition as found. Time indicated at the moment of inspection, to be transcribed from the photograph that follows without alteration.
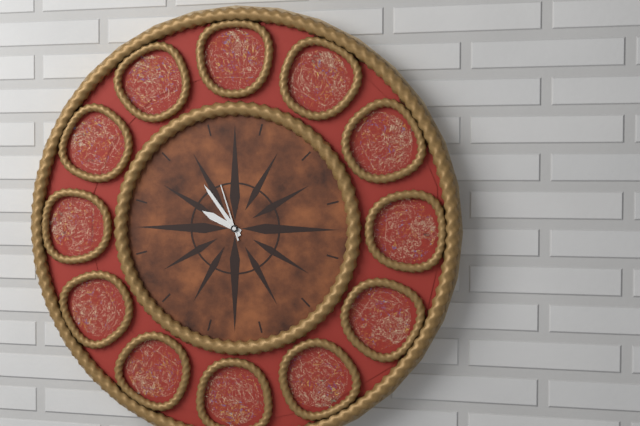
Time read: 9:54:57
